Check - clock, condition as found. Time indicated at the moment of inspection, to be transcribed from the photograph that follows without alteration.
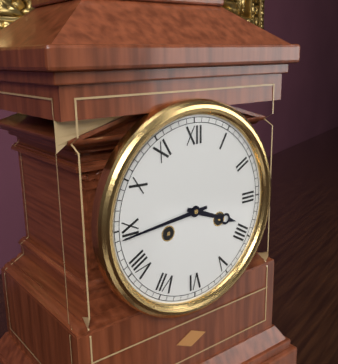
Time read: 3:44
